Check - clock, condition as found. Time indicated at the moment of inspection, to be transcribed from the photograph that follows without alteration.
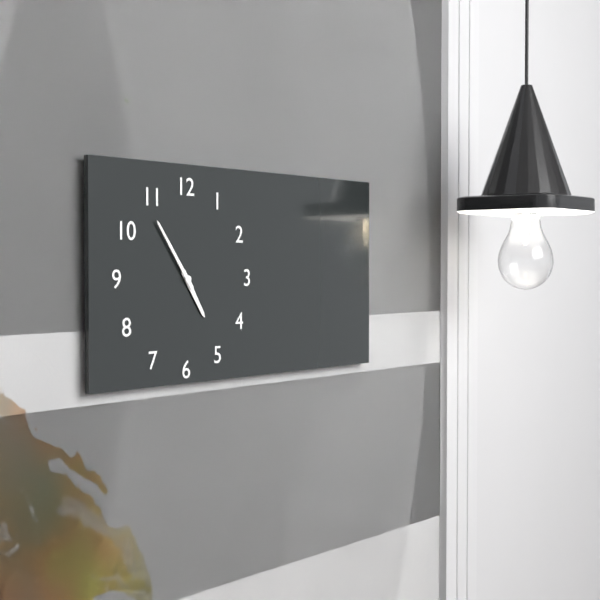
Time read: 4:54
